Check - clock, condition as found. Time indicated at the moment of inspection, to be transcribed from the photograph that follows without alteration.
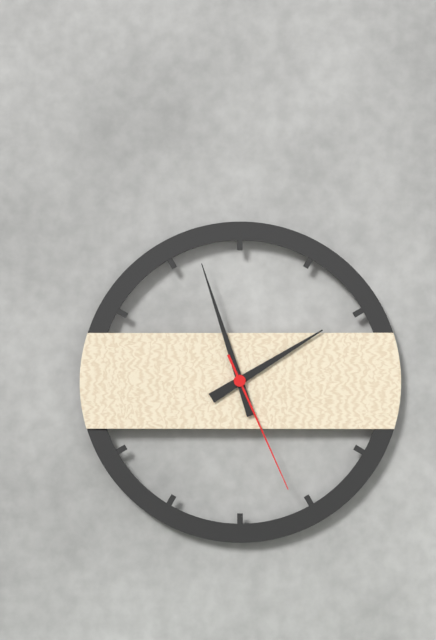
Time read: 1:57:26
